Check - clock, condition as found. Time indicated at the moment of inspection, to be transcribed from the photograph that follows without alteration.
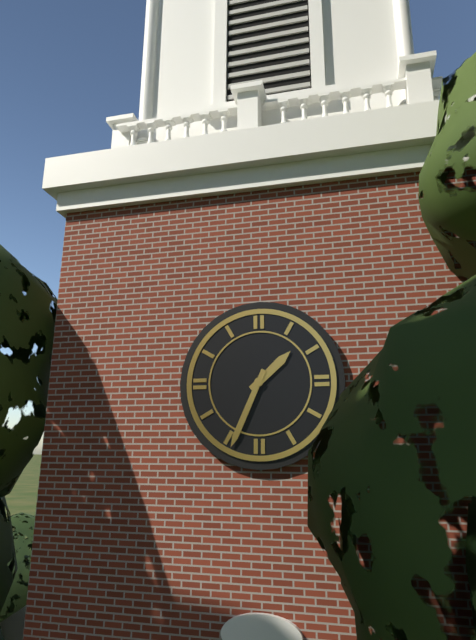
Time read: 1:34
